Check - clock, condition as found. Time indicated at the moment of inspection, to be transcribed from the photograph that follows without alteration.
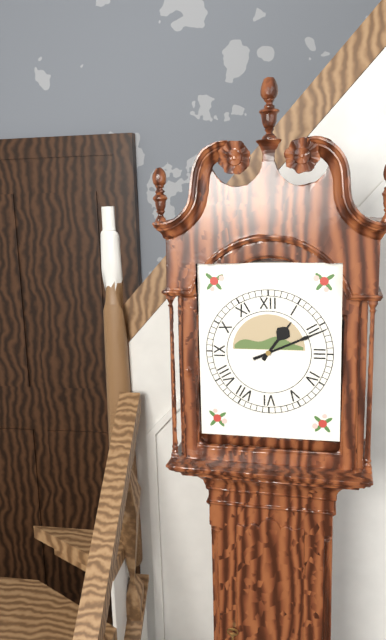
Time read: 1:11
